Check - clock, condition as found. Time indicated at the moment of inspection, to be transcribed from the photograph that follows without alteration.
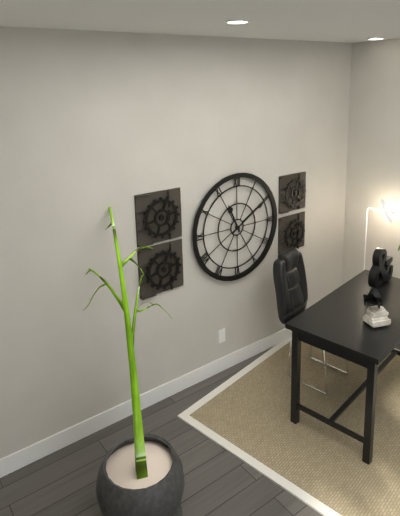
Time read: 11:10
